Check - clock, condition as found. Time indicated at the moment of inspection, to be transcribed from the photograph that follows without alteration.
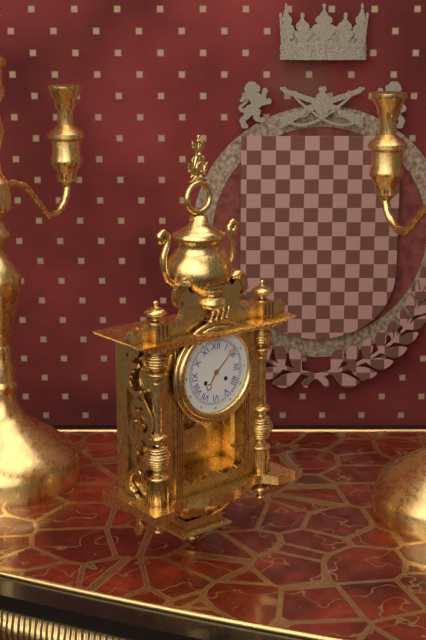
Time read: 7:08
